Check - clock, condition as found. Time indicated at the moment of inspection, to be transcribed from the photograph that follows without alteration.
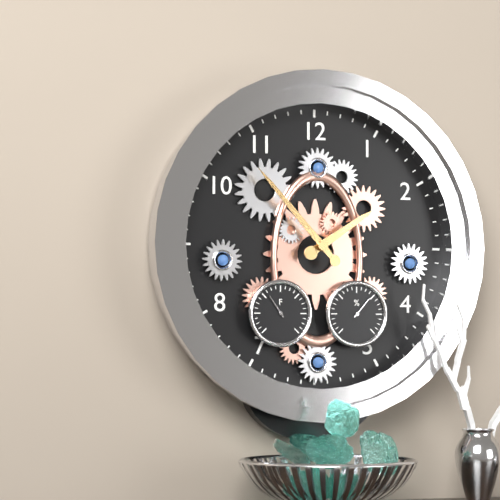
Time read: 1:53
